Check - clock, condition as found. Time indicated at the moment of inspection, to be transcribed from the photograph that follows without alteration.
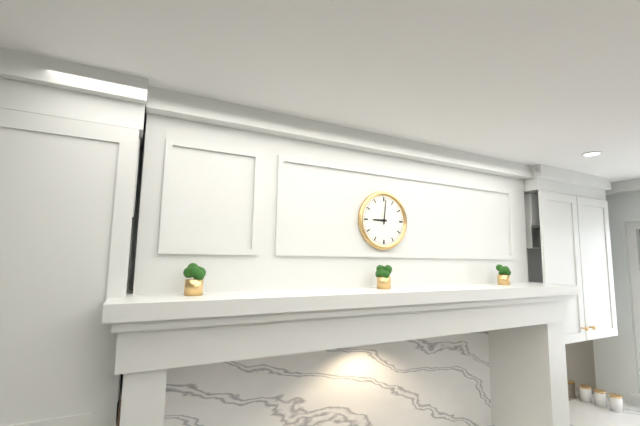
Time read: 9:01
